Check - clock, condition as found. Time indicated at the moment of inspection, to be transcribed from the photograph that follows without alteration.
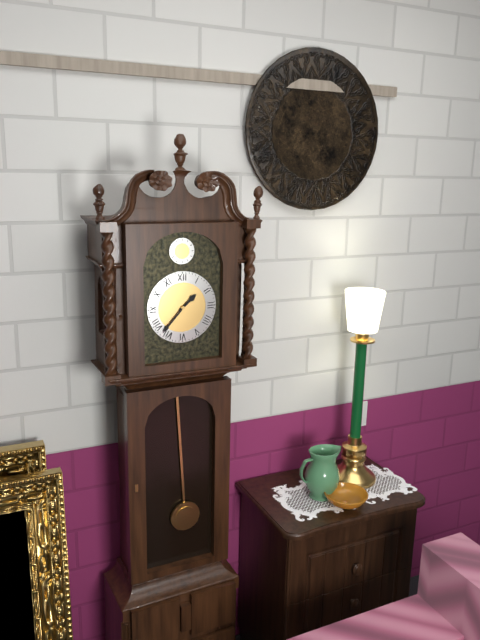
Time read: 1:37
